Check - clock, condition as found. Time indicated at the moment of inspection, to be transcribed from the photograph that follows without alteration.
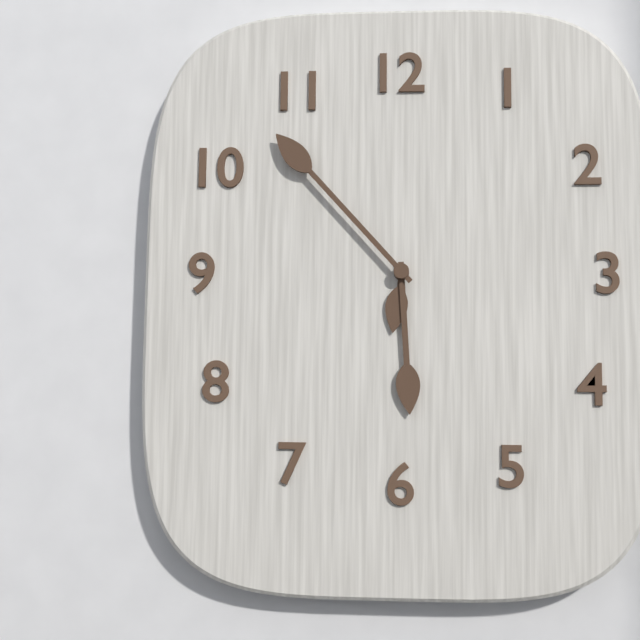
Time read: 5:53
